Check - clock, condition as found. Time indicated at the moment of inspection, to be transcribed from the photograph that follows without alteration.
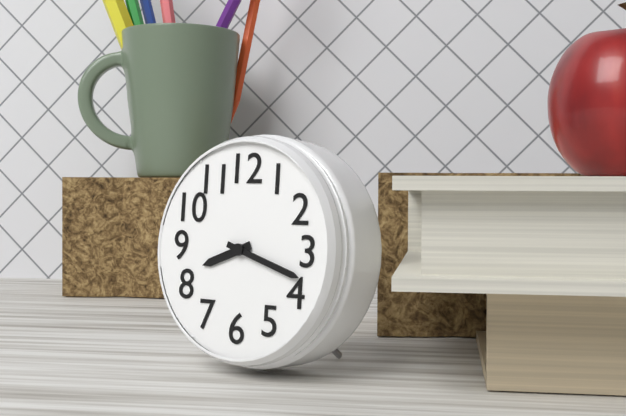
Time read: 8:18
